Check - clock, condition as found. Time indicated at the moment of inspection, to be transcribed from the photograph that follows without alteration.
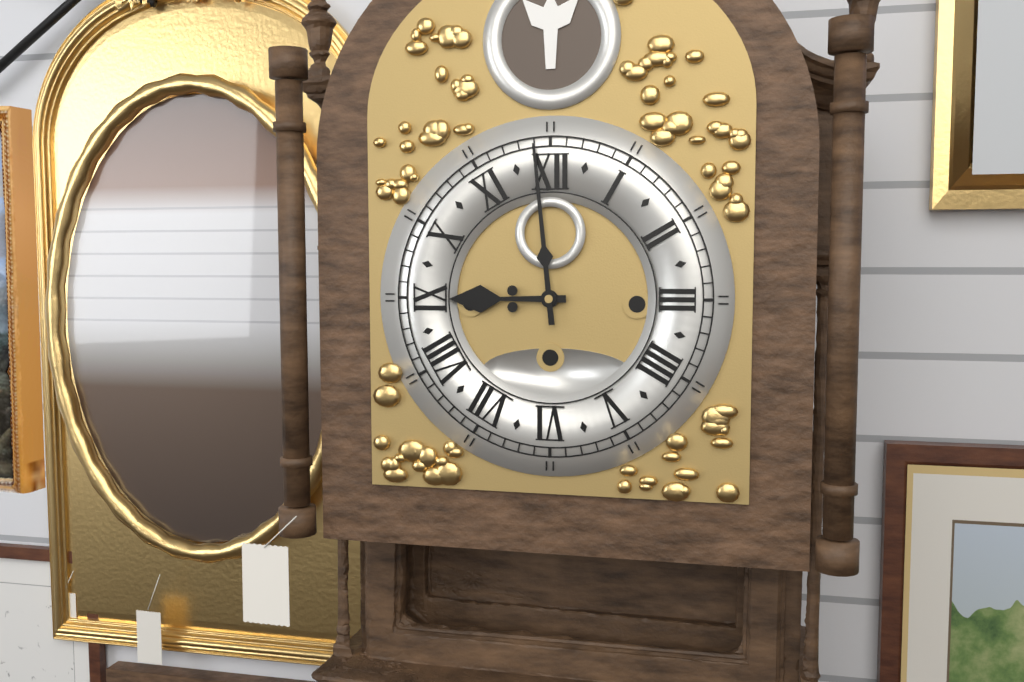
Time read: 8:59
